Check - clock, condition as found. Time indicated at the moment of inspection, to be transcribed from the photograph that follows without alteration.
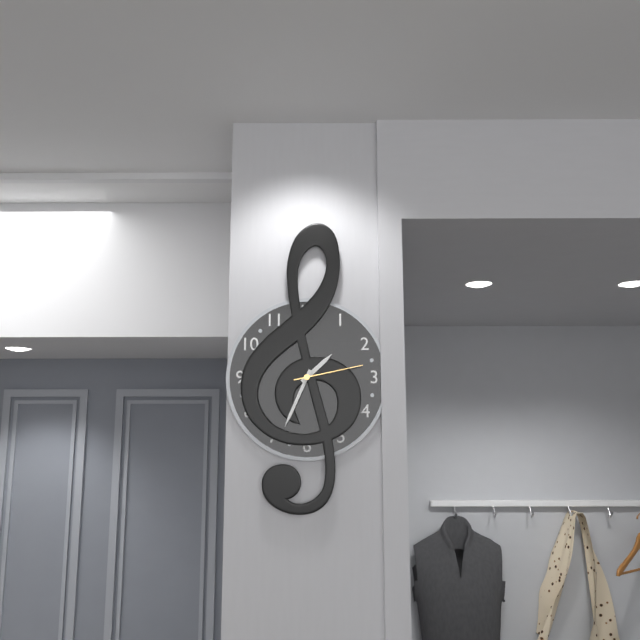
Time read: 1:34:13
